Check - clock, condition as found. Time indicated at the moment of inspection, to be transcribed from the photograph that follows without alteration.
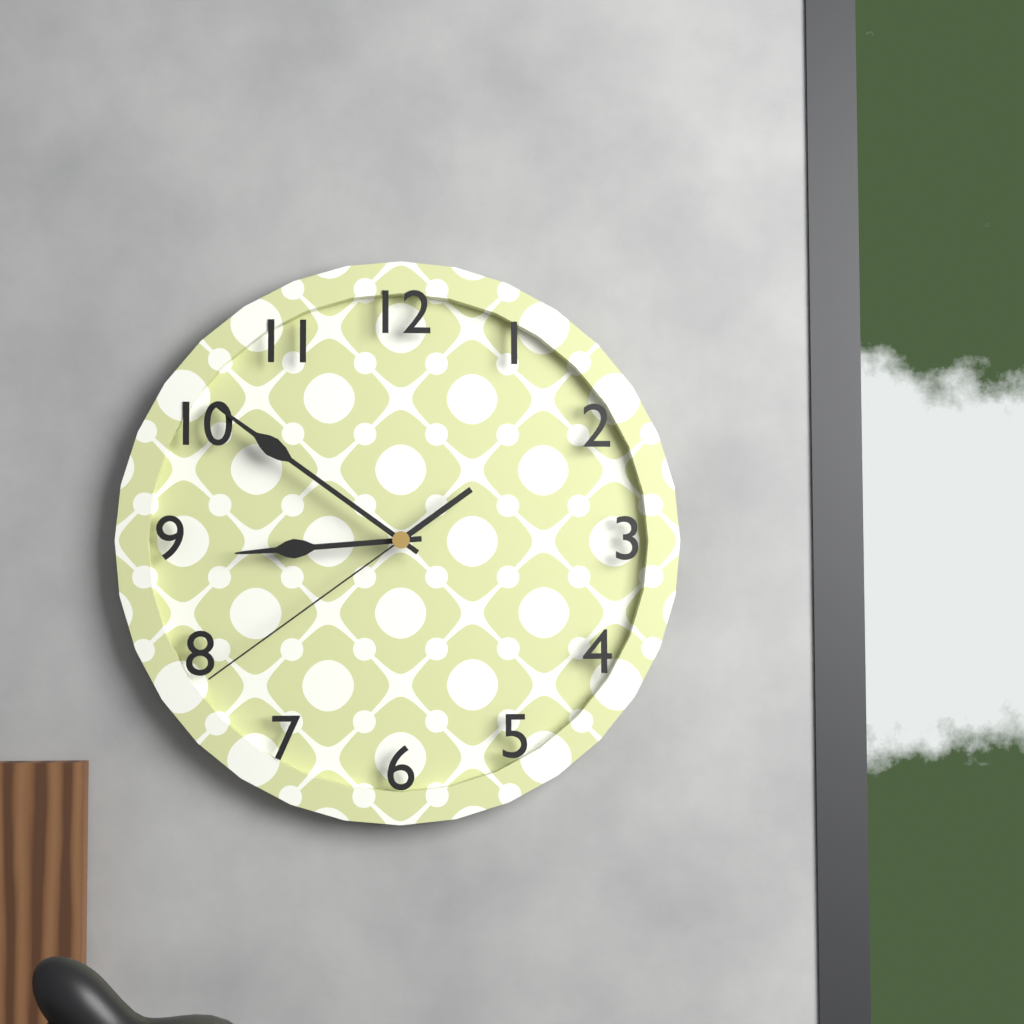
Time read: 8:51:39
